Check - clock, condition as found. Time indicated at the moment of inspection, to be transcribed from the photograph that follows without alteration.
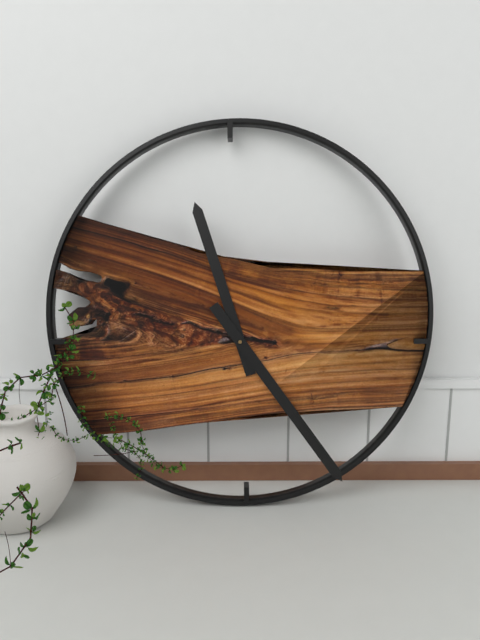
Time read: 11:24
